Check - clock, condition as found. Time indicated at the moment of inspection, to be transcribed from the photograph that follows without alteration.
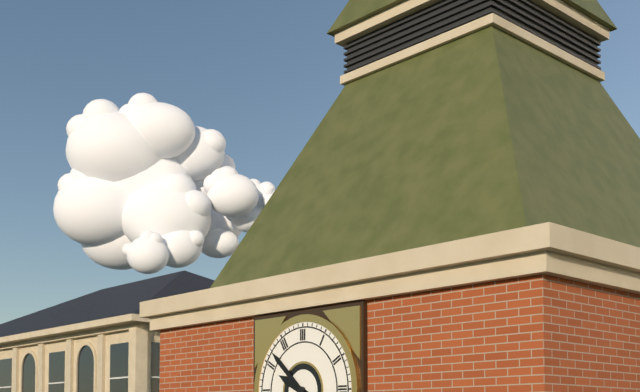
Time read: 9:52
